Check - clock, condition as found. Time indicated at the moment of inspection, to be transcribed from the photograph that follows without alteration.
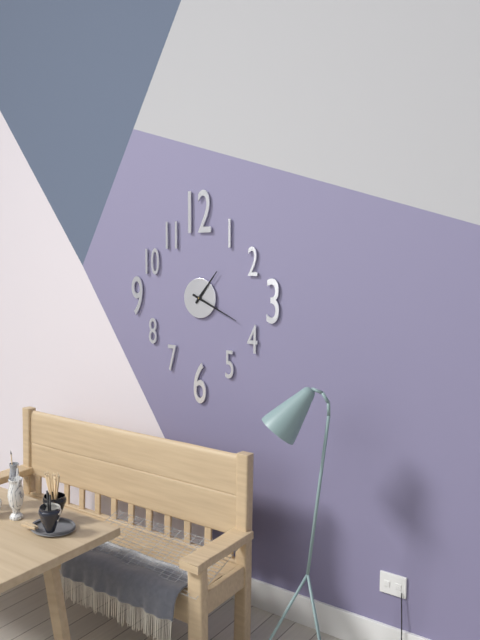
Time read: 1:19
